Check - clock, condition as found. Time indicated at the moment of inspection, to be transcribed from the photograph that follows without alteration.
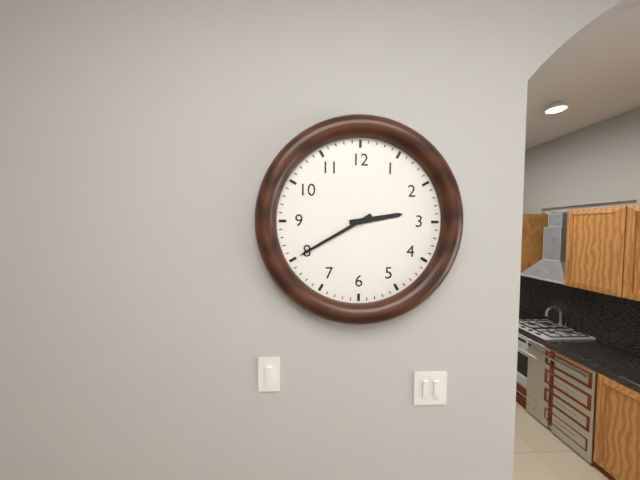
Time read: 2:40
